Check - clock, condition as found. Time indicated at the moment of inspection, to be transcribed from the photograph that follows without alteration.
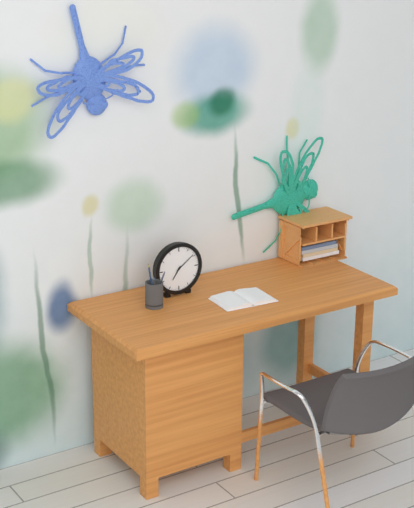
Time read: 7:09
